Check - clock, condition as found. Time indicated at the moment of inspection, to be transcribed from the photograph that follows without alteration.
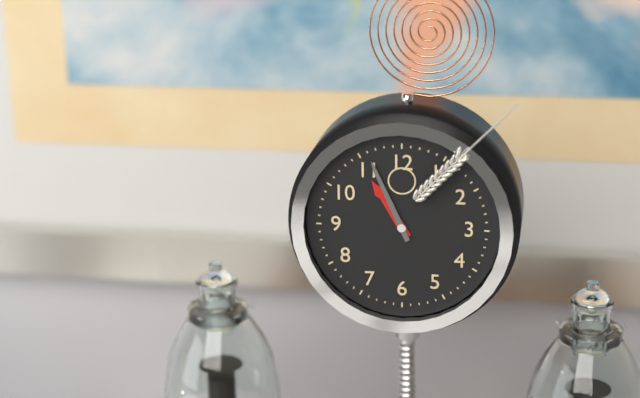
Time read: 10:56
